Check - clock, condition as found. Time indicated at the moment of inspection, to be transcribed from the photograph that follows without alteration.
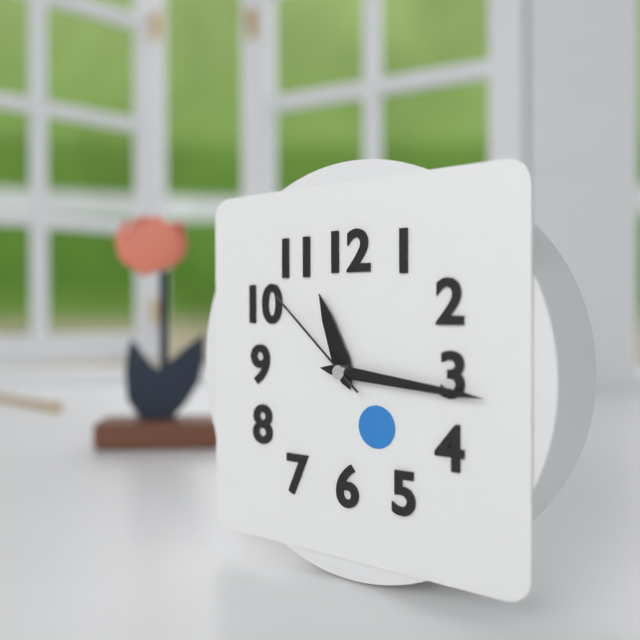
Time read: 11:16:52
